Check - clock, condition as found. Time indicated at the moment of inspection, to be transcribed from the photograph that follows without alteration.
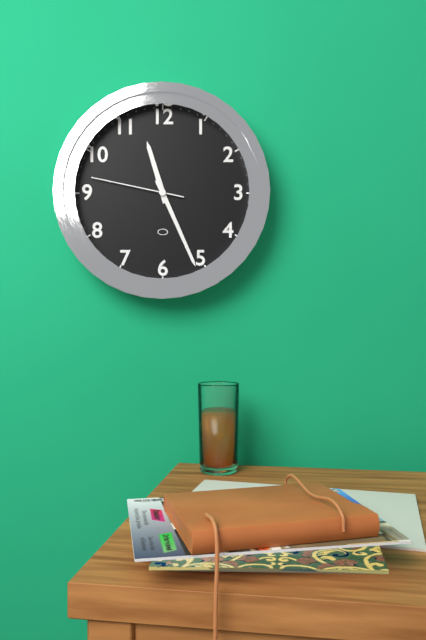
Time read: 11:26:47
